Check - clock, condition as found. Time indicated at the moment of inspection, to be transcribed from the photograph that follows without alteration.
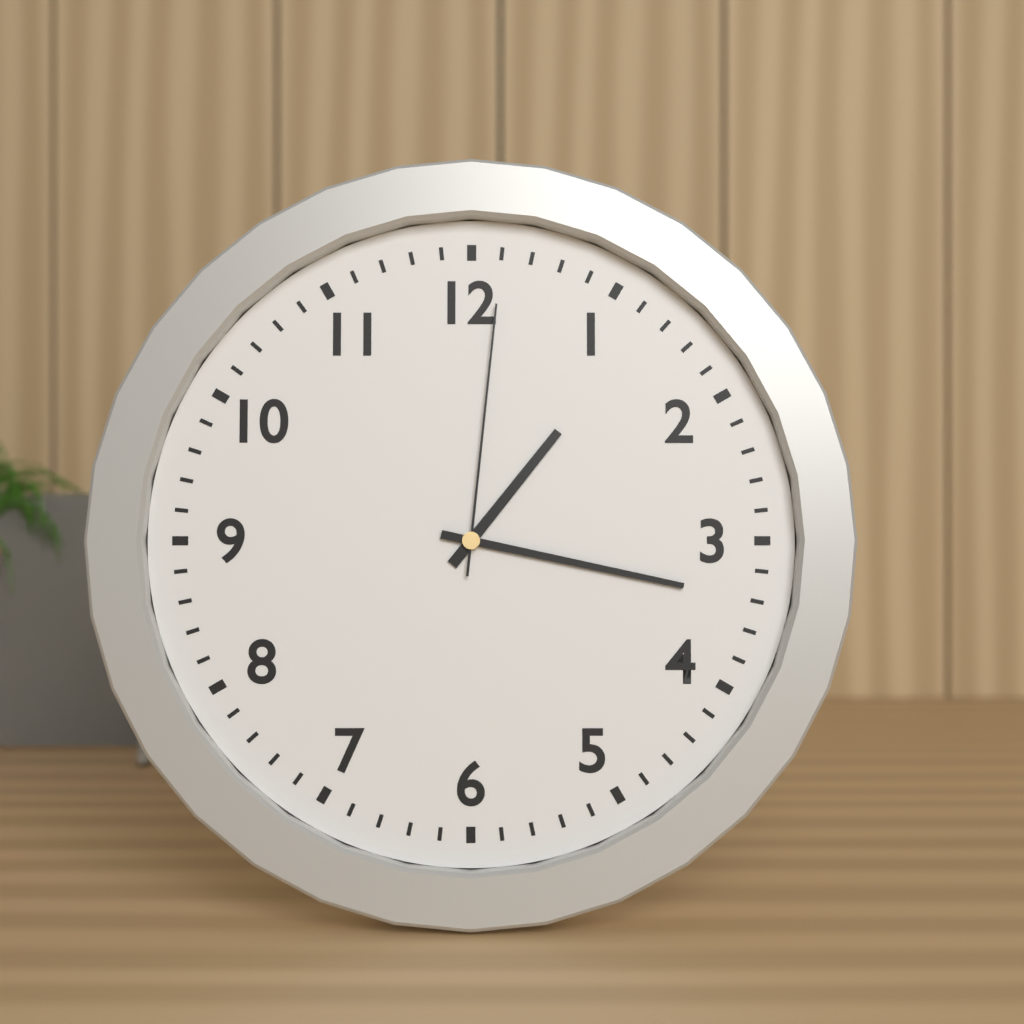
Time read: 1:17:01
